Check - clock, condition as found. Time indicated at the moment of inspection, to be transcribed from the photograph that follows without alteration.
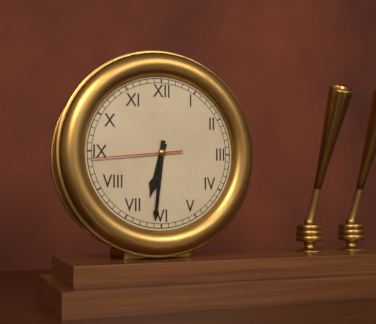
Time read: 6:31:44
